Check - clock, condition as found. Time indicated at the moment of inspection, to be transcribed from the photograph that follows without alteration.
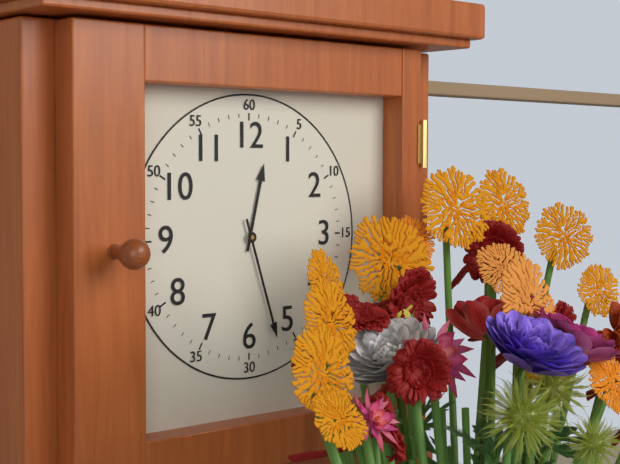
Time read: 12:27
